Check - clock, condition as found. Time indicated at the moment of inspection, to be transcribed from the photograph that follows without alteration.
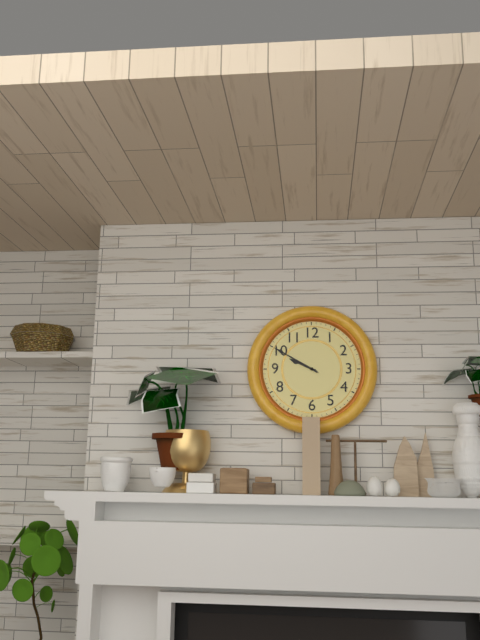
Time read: 9:50
